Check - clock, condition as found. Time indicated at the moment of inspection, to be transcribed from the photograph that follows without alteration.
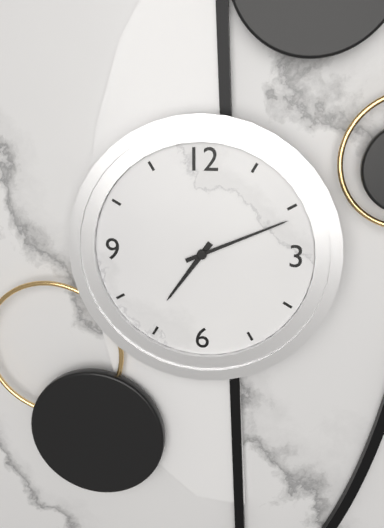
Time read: 7:11
